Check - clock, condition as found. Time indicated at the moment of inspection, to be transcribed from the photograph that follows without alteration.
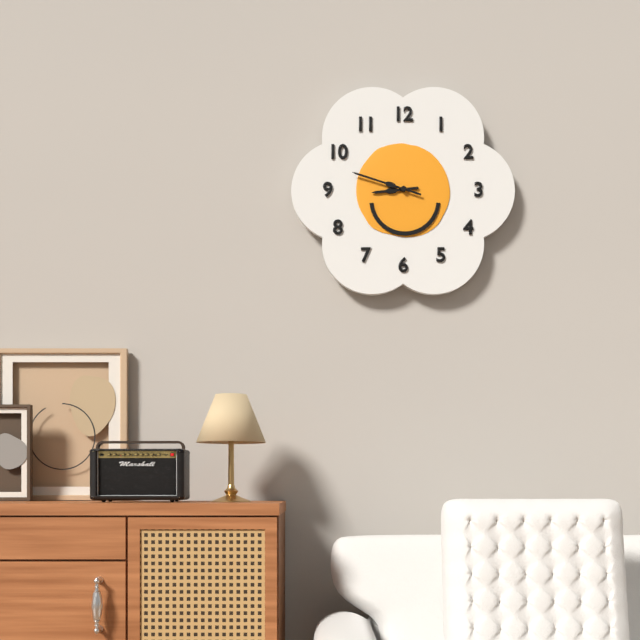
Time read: 8:48
